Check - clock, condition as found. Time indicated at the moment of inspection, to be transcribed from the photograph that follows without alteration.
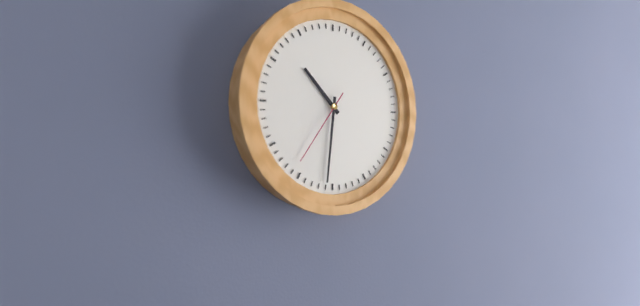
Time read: 10:31:36
